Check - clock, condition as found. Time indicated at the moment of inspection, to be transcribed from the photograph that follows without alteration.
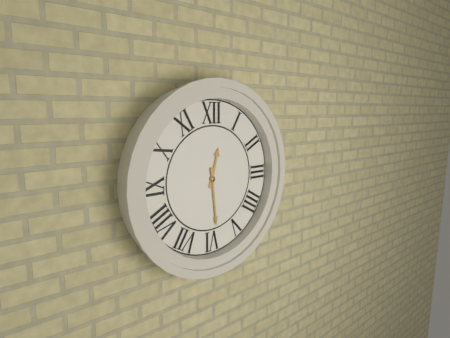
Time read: 12:29
